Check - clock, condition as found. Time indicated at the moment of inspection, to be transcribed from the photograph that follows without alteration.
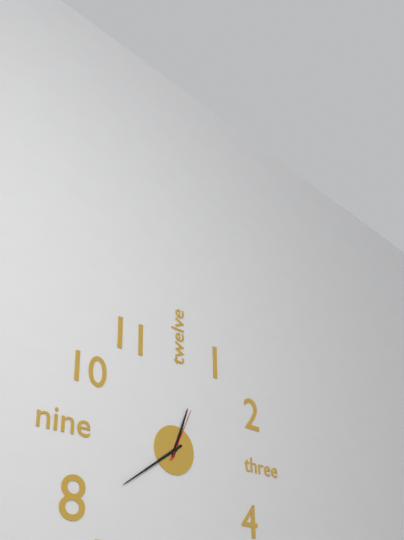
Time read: 12:39:04
